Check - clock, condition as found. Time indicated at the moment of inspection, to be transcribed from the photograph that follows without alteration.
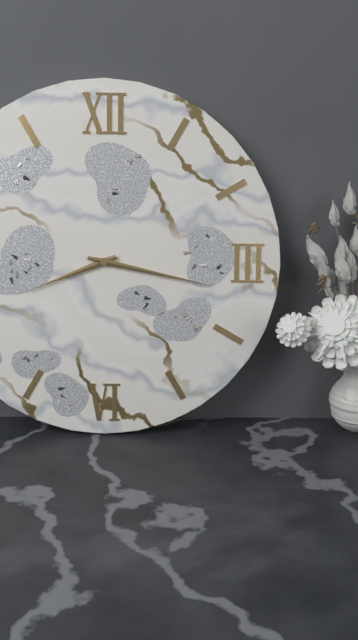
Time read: 8:17
